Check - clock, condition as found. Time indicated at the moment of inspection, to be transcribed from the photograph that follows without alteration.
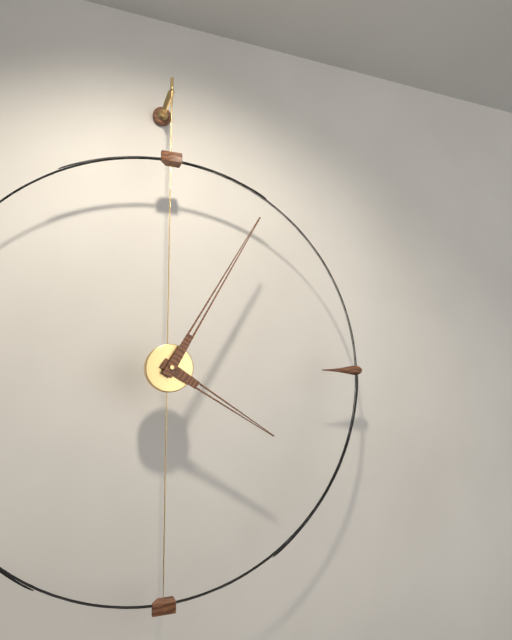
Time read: 4:05
